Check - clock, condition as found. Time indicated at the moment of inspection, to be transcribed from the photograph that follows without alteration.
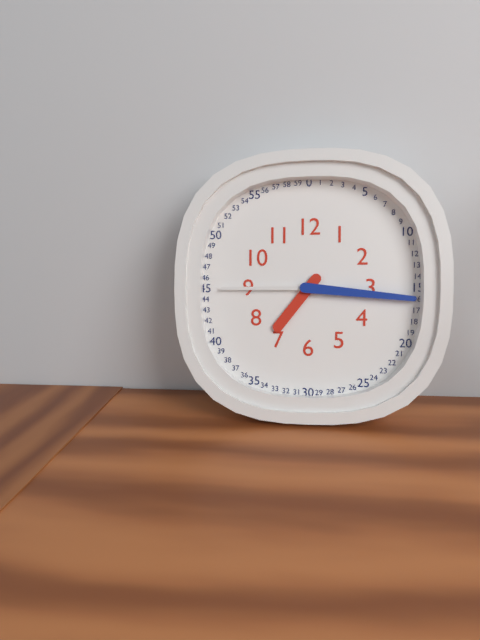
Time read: 7:16:45
